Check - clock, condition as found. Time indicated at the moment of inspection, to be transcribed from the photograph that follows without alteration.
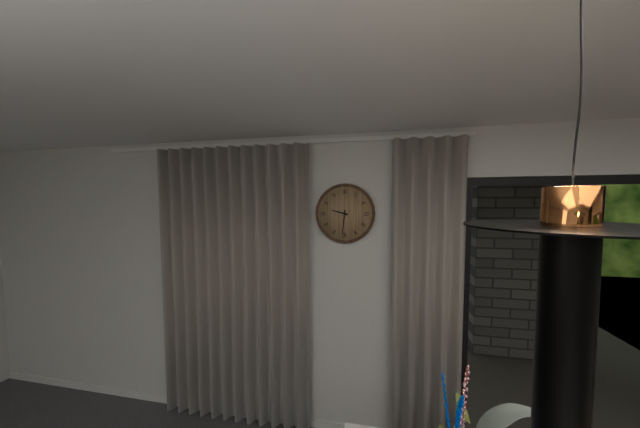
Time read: 9:31
